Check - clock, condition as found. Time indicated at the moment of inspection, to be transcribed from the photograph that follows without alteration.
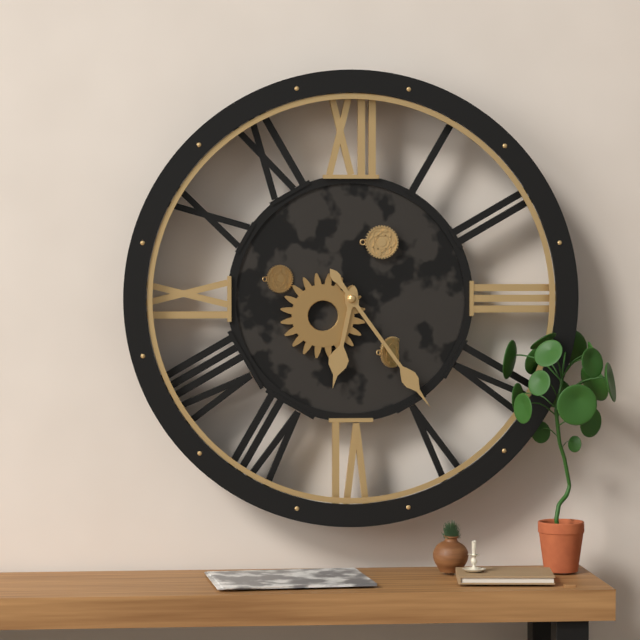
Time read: 6:24
